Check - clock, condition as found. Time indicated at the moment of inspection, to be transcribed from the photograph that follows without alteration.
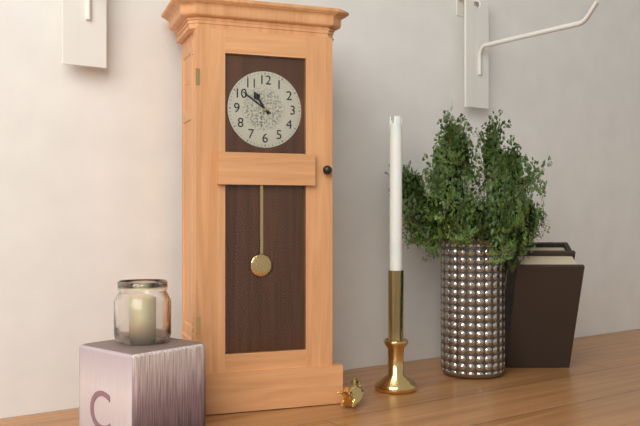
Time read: 10:51
